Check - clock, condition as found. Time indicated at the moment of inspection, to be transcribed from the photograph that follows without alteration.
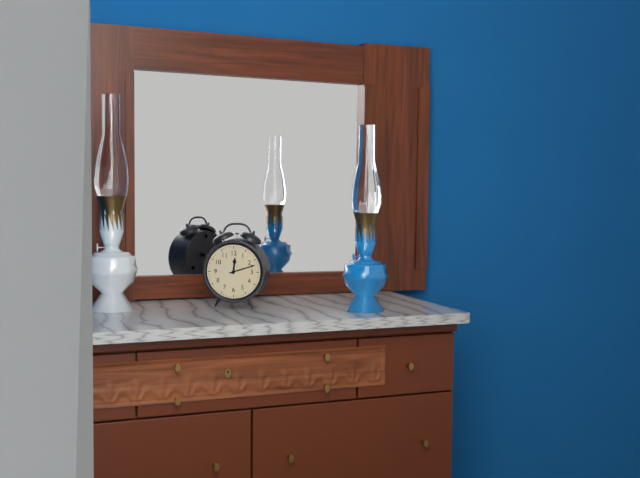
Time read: 12:12
